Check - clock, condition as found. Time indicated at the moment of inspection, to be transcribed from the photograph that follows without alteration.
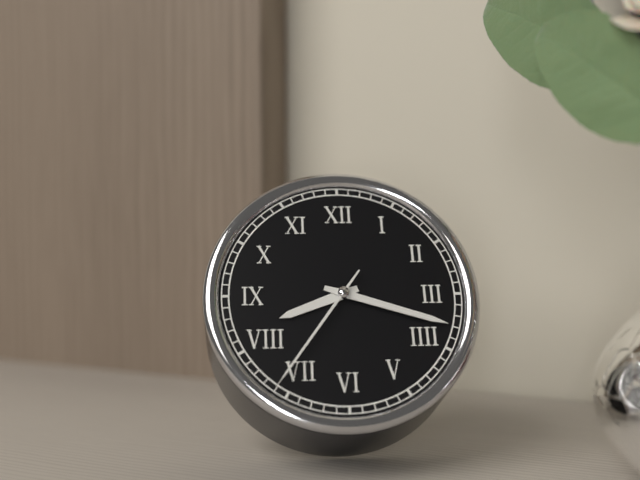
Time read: 8:18:36
